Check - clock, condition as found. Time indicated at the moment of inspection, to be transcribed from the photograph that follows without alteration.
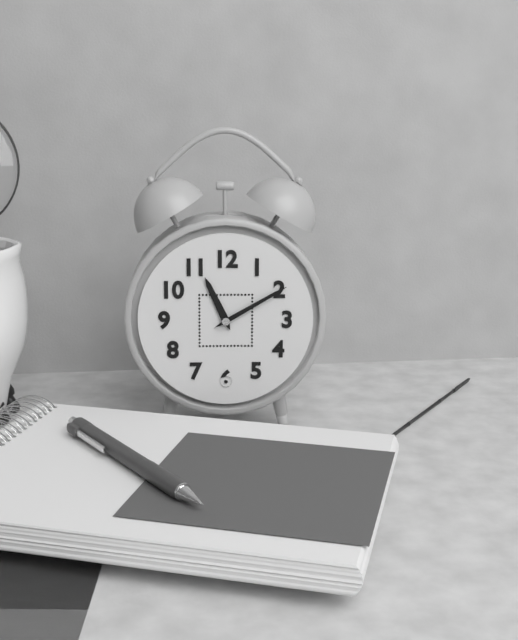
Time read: 11:10
